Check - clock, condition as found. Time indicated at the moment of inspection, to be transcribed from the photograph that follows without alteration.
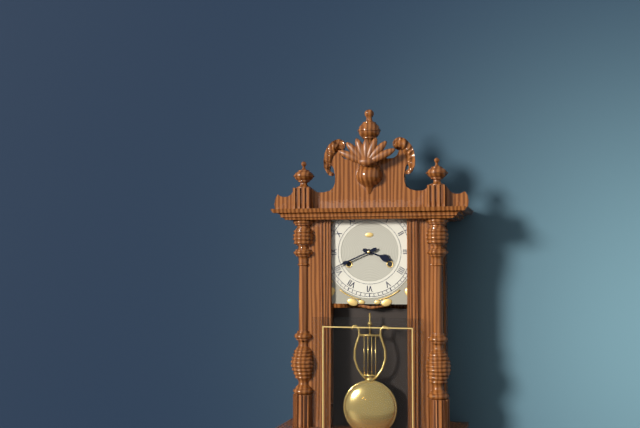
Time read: 3:41
